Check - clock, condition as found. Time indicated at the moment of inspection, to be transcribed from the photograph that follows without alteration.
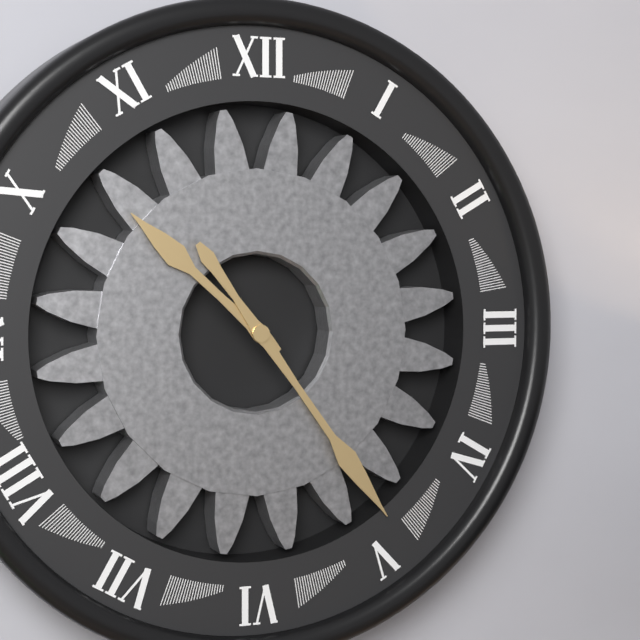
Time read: 10:24
